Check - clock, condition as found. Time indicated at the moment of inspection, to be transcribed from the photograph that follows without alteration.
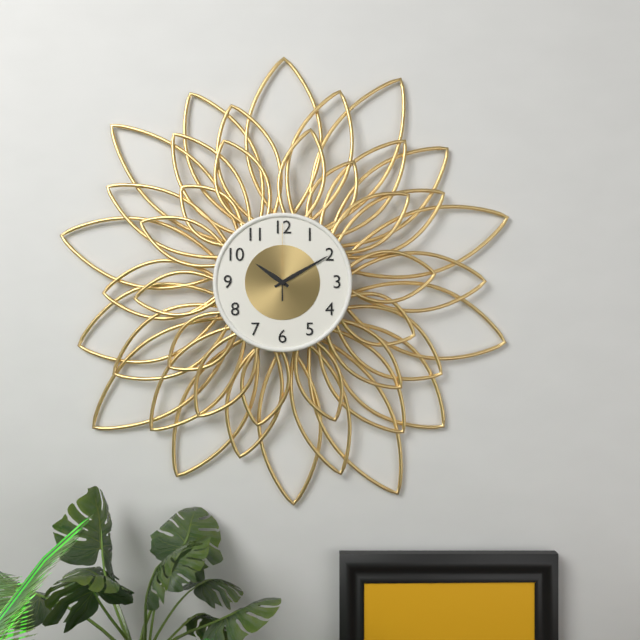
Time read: 10:10:00
